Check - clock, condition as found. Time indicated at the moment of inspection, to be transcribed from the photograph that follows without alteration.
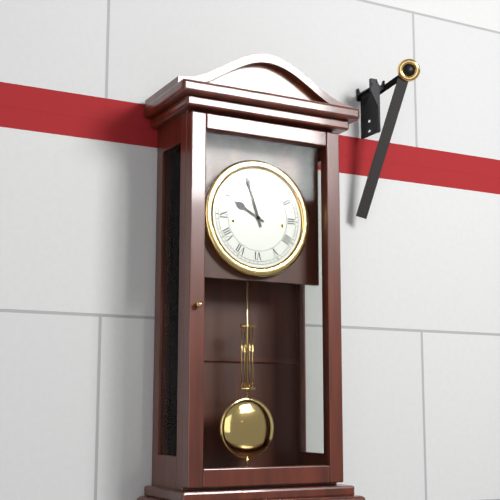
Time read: 9:57
